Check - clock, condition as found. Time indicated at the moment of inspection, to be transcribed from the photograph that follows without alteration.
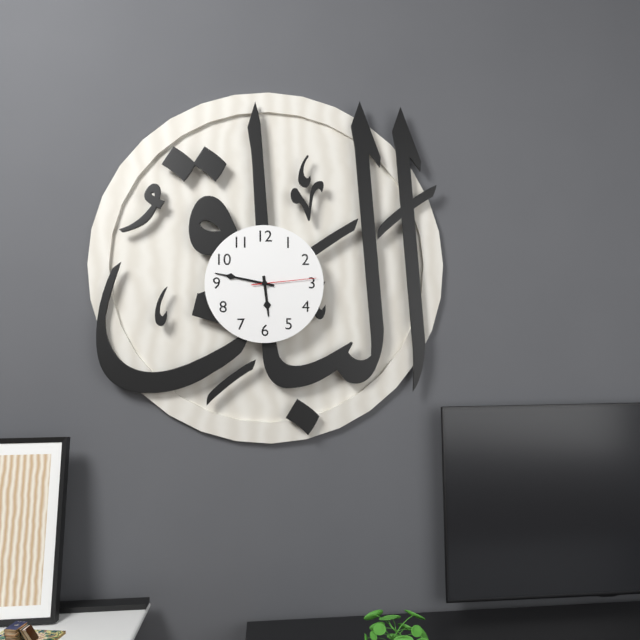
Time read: 5:47:14
